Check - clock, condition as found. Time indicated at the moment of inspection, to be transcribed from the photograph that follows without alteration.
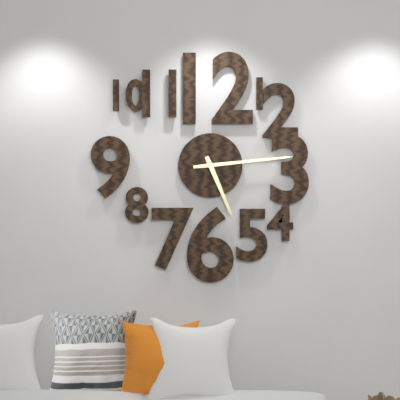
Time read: 5:14
